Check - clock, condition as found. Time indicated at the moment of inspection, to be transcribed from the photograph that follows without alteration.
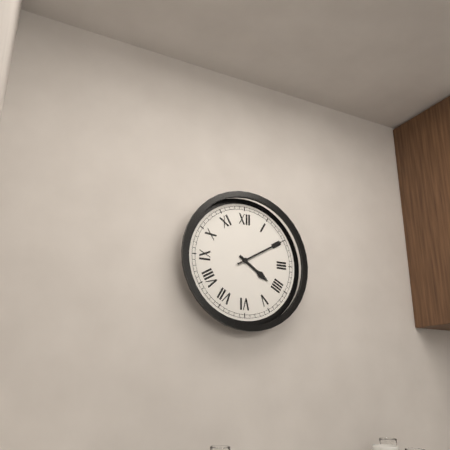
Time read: 4:10
